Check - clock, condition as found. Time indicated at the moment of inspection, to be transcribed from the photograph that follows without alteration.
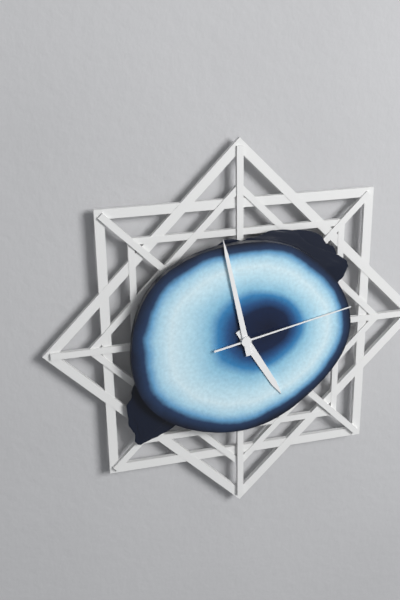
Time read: 4:58:13
